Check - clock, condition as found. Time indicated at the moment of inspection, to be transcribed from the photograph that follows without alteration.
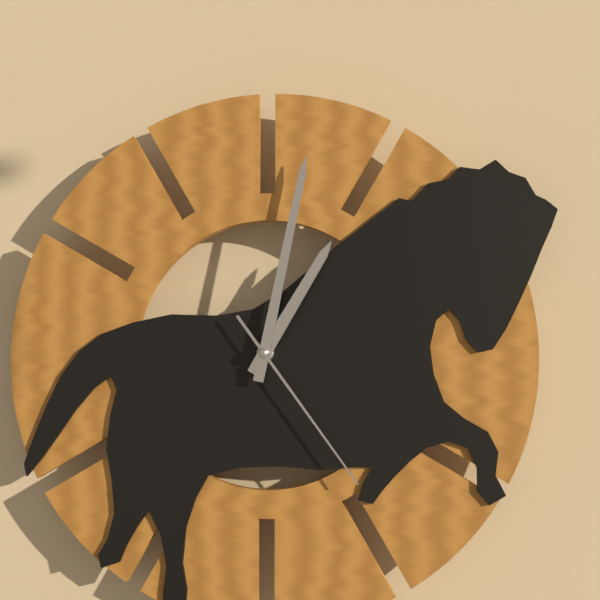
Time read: 1:02:24
